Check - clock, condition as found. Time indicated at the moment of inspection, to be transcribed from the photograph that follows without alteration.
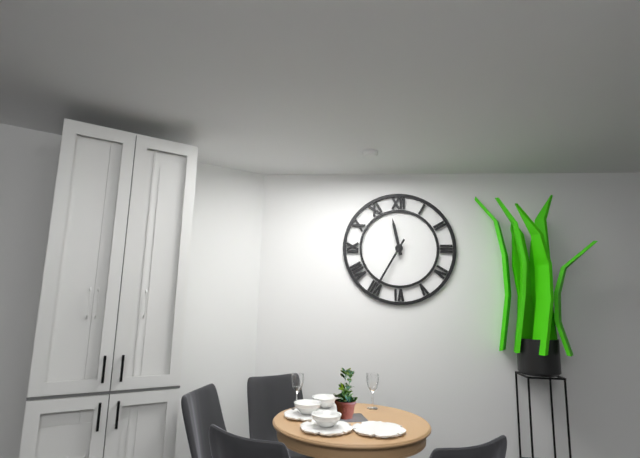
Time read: 11:35
